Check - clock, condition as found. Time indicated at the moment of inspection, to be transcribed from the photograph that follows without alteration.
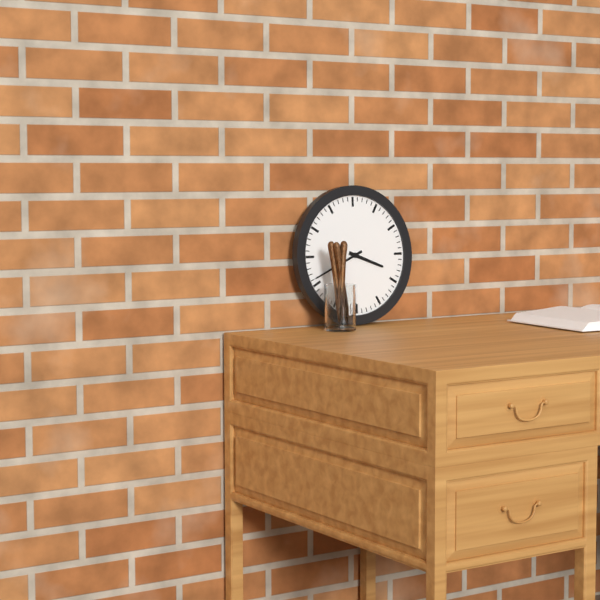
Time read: 3:41
